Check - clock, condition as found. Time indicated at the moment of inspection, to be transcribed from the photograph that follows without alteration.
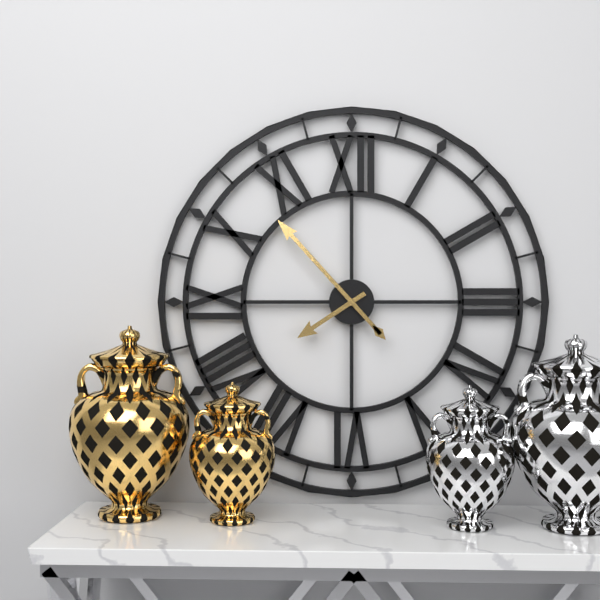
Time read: 7:53
